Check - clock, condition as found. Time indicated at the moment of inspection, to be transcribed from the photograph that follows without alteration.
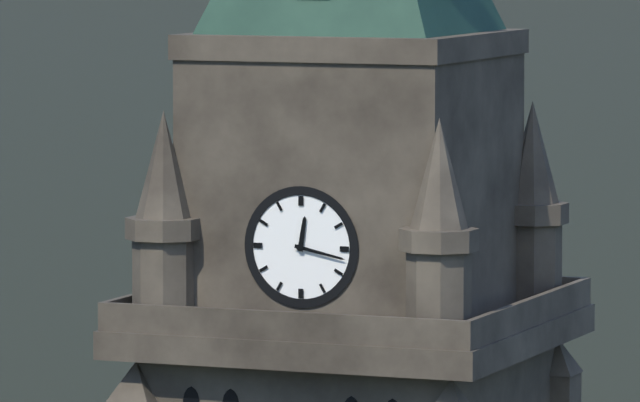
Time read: 12:17
